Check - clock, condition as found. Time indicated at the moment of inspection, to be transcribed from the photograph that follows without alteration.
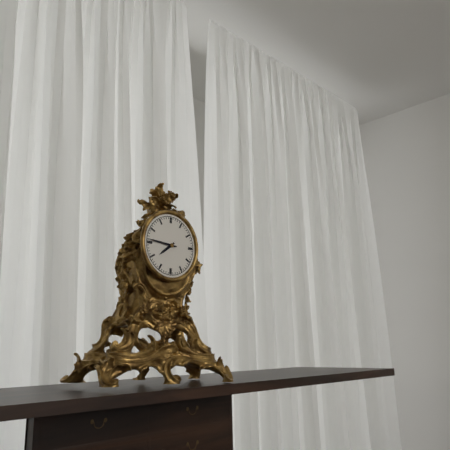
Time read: 7:46
